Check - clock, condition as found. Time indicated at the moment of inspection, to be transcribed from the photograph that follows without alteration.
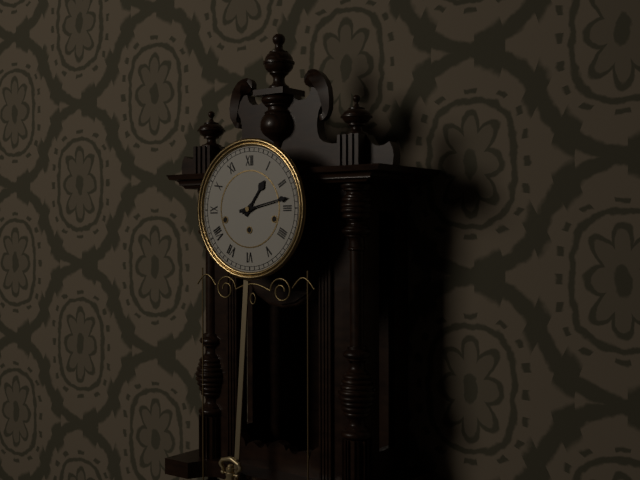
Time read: 1:13
